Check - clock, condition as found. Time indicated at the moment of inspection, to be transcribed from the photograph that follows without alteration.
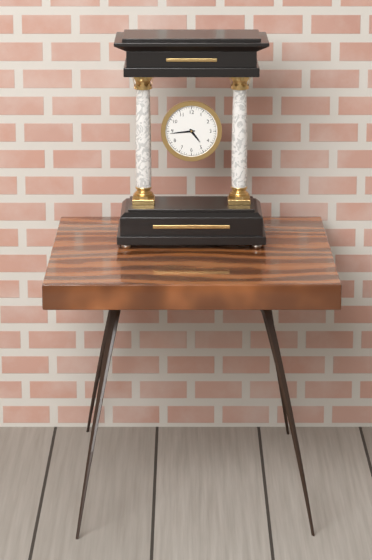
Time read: 4:44
